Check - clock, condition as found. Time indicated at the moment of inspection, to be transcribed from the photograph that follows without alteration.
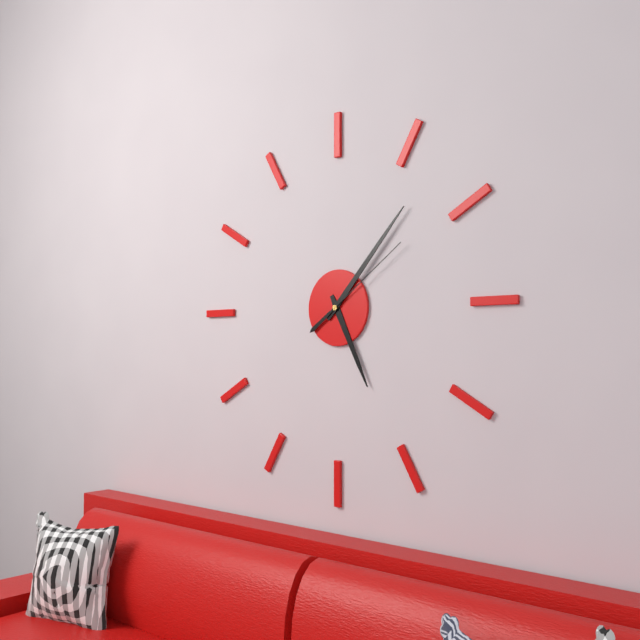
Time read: 5:07:09
